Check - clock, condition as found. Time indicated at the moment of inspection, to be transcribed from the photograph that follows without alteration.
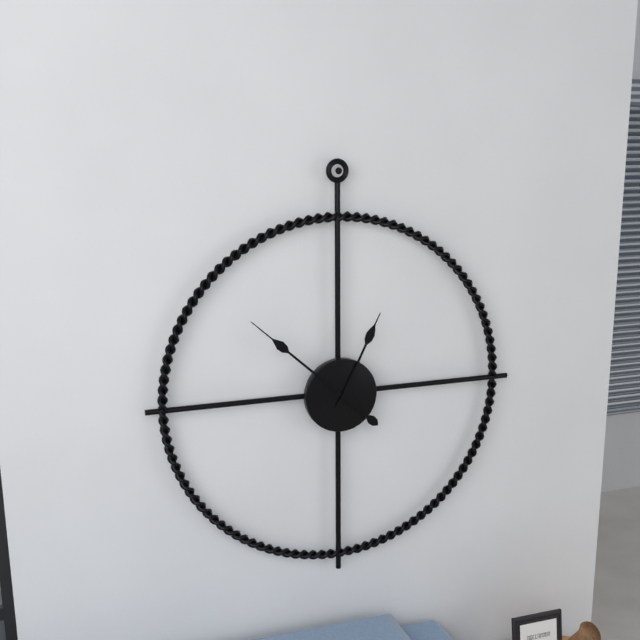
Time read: 12:52
